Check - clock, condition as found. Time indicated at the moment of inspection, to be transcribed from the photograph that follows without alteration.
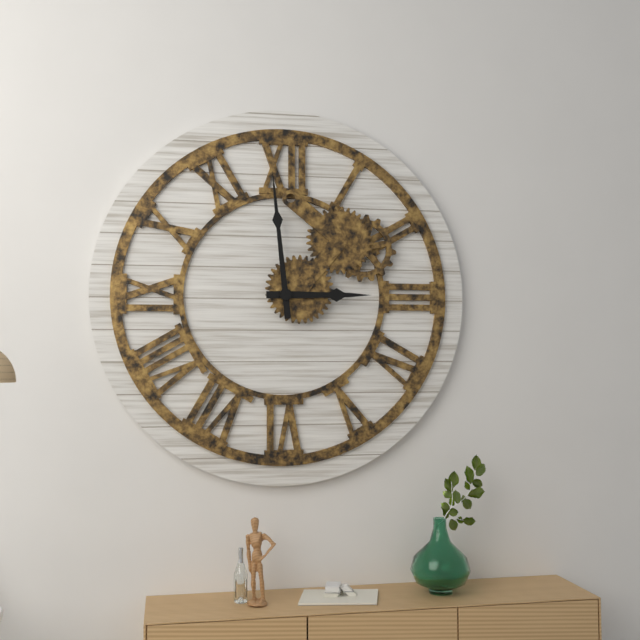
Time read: 2:59
